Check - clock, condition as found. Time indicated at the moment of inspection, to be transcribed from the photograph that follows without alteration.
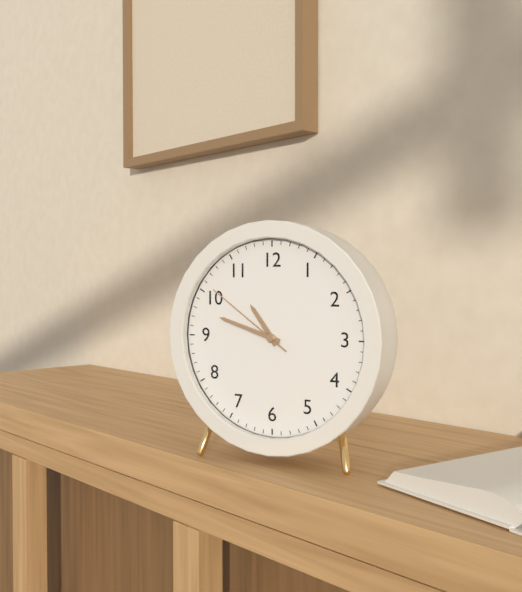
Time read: 10:48:51
